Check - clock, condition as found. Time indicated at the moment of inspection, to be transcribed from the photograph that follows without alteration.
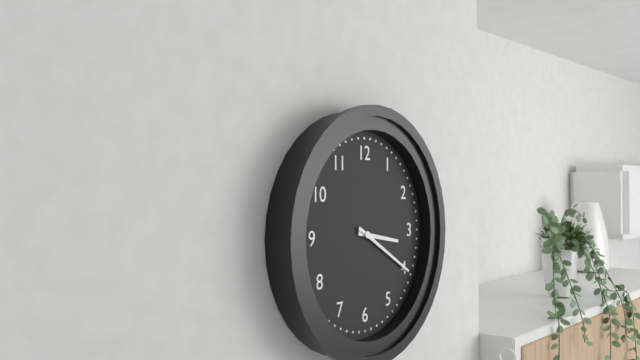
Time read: 3:20
